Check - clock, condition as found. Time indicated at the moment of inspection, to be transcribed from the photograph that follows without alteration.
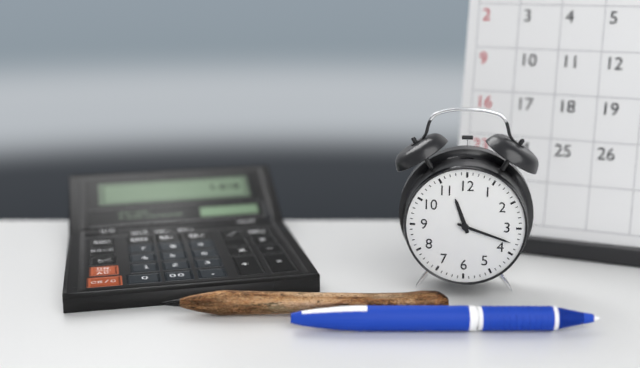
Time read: 11:18
